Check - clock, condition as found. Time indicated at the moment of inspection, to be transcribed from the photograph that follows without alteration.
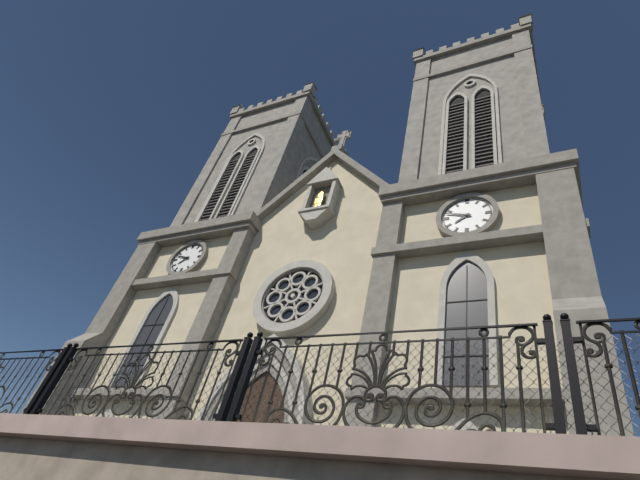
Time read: 7:48
